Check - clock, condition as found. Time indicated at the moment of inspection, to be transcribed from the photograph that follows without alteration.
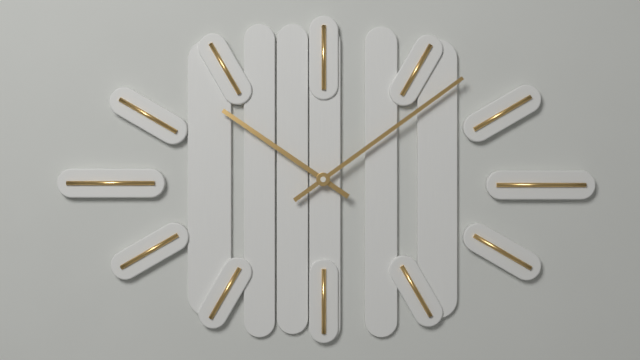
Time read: 10:09
